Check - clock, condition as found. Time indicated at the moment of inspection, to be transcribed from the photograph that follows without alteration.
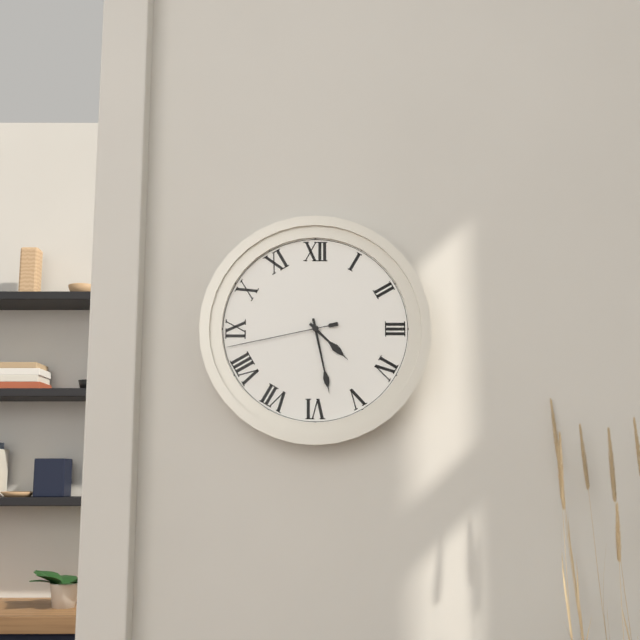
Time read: 4:28:43
